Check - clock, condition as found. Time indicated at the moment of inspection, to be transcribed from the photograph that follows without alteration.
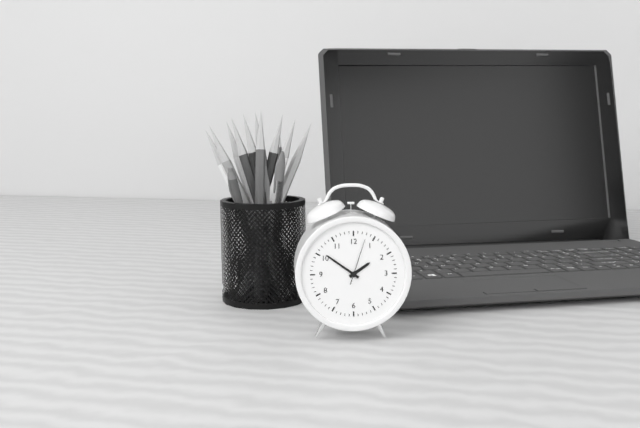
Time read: 1:51
